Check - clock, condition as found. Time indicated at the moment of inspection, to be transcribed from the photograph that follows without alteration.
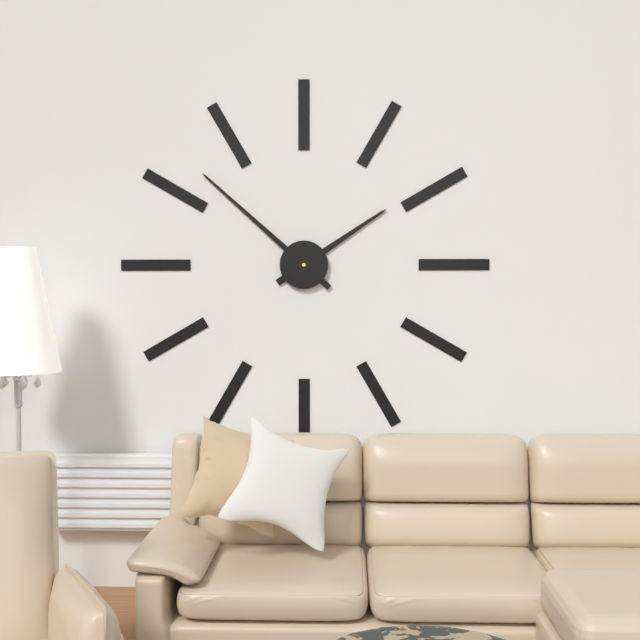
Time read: 1:52
